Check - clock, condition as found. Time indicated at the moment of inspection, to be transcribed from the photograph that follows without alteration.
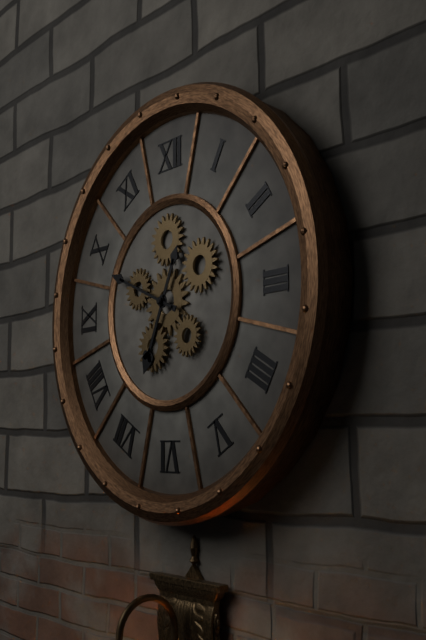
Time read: 6:49
